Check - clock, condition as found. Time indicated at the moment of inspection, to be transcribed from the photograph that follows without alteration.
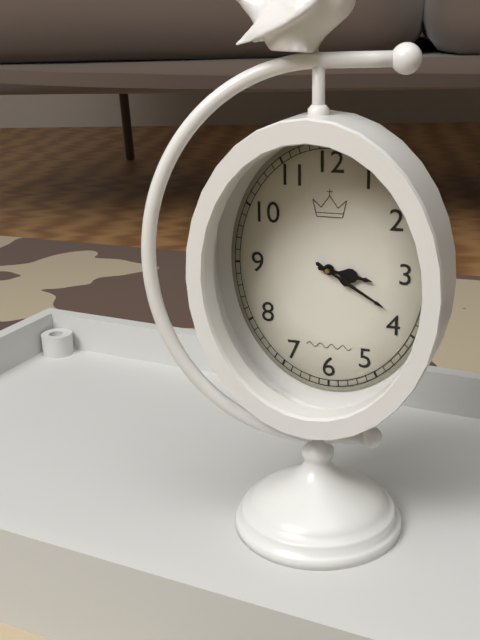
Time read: 3:20
